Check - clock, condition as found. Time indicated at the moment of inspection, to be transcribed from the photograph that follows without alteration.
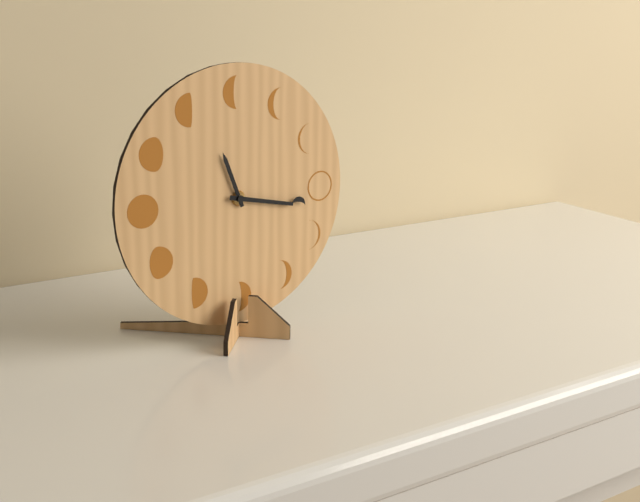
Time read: 11:17
